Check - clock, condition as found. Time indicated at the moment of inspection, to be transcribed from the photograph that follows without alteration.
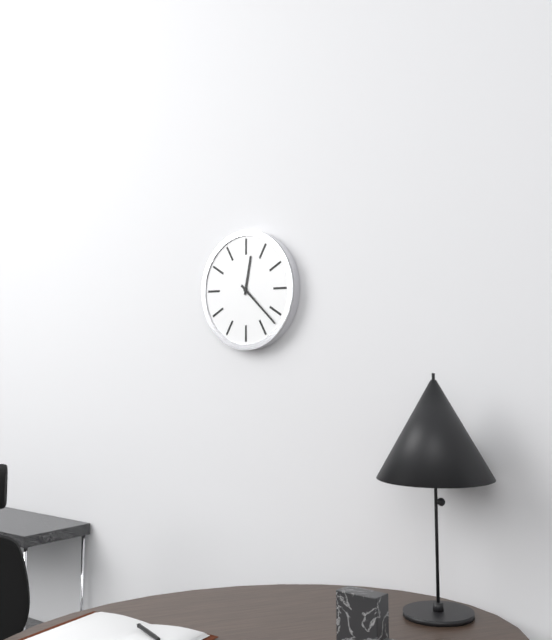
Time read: 12:22
